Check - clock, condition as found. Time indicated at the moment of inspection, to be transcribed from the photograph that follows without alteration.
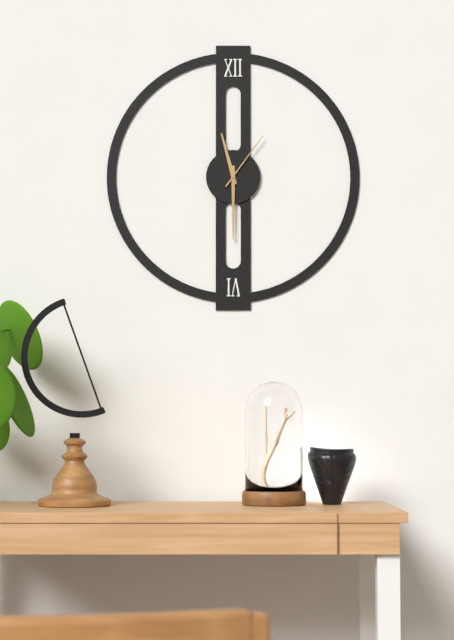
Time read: 11:30:06
